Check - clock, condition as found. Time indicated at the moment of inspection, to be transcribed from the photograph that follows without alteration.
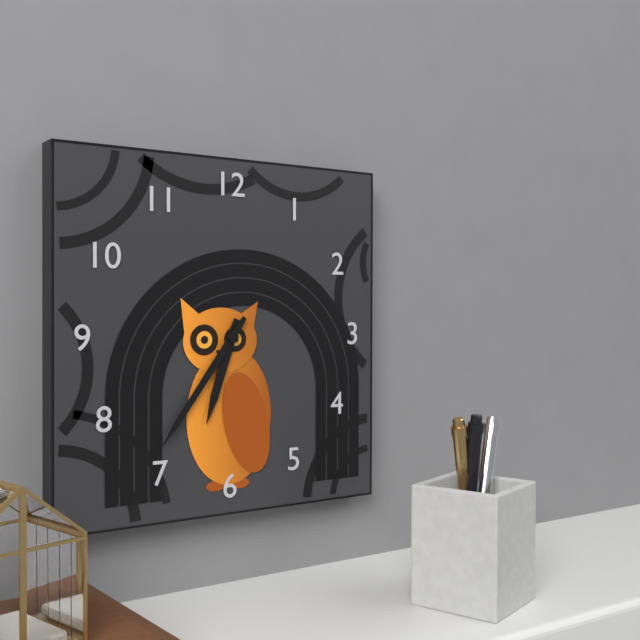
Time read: 6:36
